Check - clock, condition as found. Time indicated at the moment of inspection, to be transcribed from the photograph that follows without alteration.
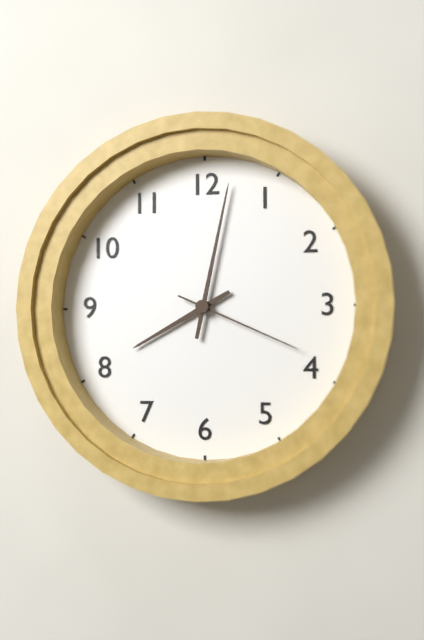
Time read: 8:02:19
